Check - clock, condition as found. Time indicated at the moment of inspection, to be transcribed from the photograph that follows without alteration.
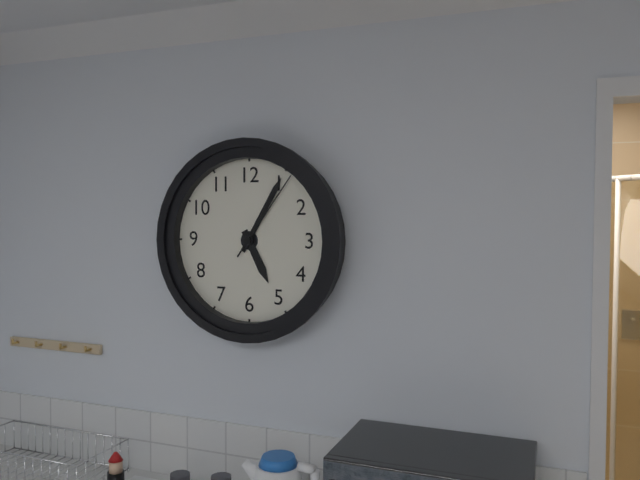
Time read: 5:05:06
